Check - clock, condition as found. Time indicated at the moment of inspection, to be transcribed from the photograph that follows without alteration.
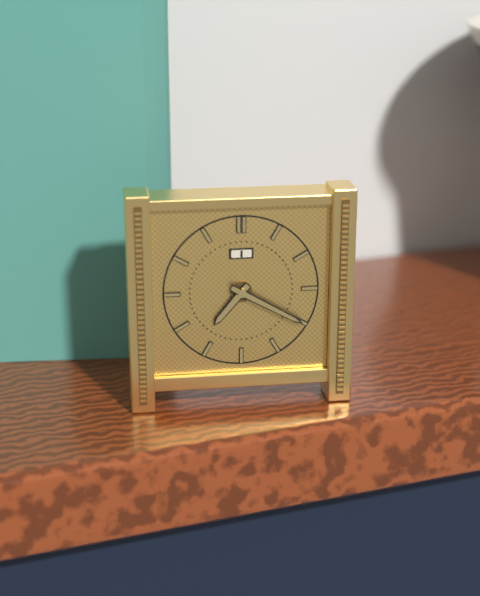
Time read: 7:20
